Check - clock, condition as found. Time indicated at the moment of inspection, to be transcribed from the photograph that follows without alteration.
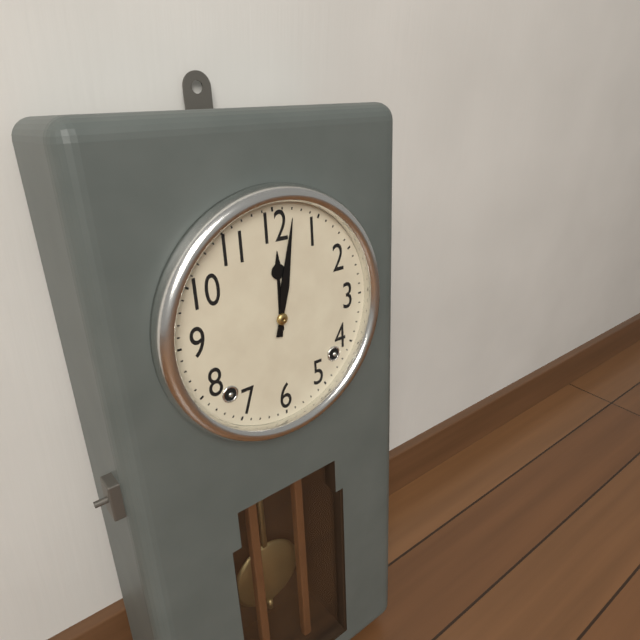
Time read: 12:02
